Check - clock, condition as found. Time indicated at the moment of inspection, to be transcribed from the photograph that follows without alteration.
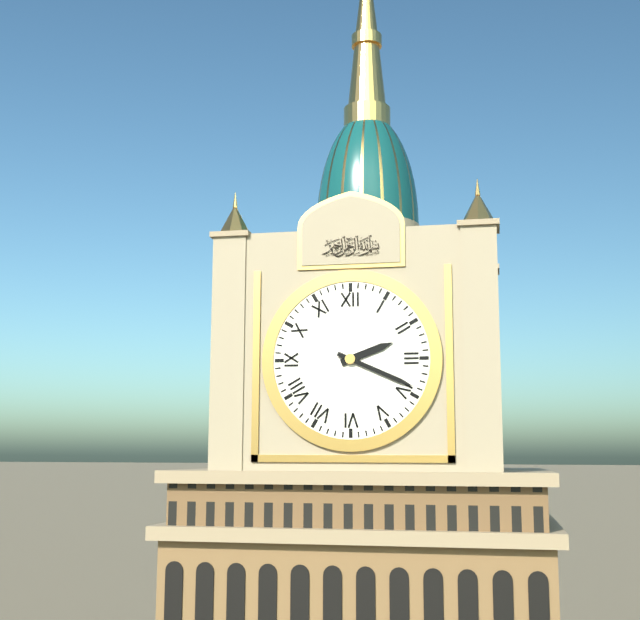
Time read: 2:19
